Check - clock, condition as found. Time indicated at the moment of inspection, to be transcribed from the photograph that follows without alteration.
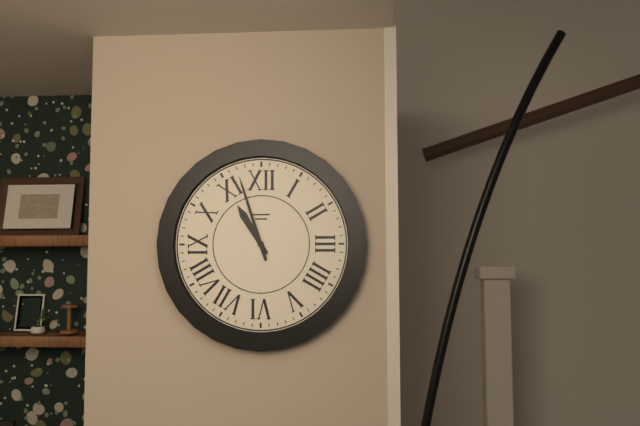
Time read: 10:57
